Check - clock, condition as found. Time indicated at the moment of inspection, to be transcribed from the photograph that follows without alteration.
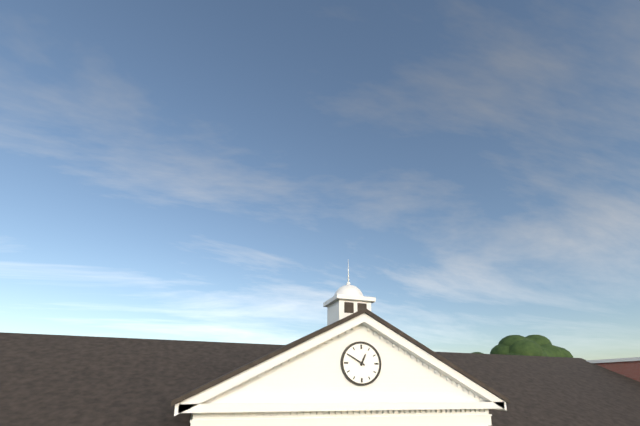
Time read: 12:50
